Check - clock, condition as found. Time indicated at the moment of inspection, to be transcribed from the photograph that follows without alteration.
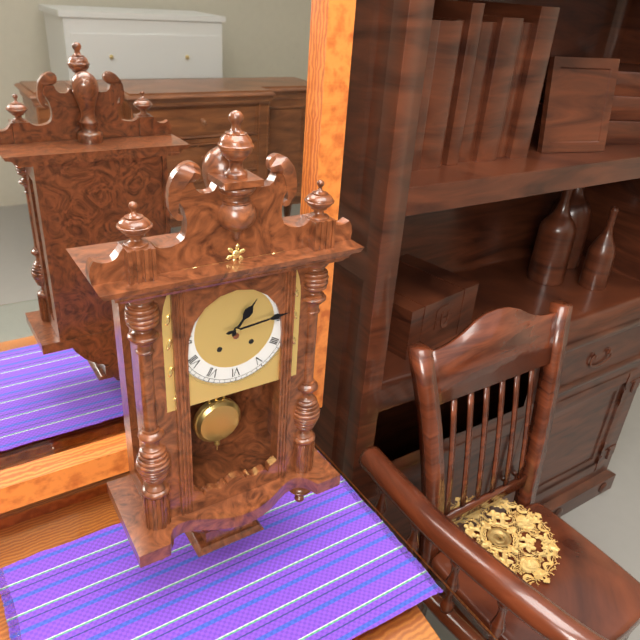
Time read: 1:14
